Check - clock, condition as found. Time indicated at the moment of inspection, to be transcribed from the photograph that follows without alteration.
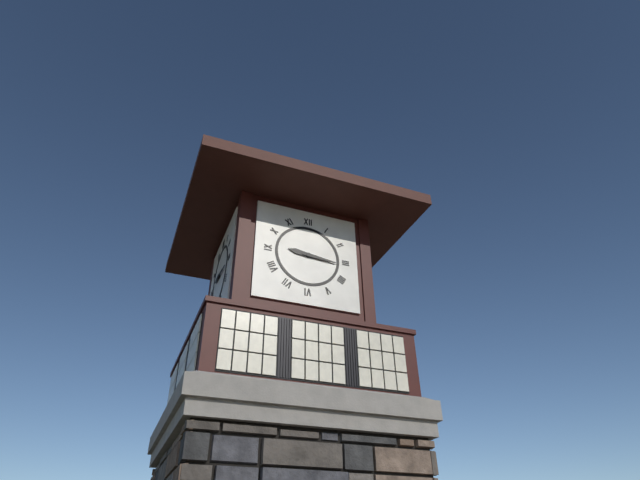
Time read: 9:16
